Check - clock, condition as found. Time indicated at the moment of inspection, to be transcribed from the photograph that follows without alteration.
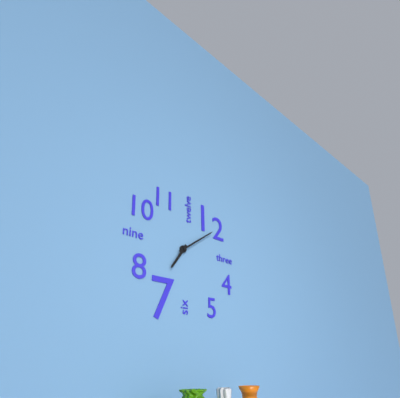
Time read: 7:09
